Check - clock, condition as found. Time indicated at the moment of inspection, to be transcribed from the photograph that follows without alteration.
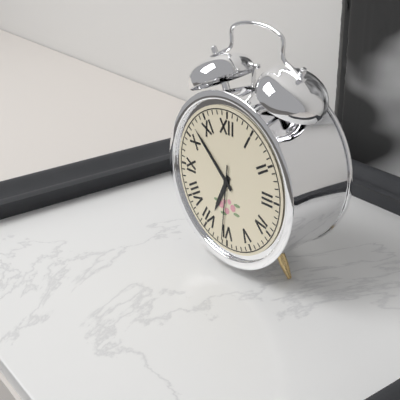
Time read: 6:52:31
